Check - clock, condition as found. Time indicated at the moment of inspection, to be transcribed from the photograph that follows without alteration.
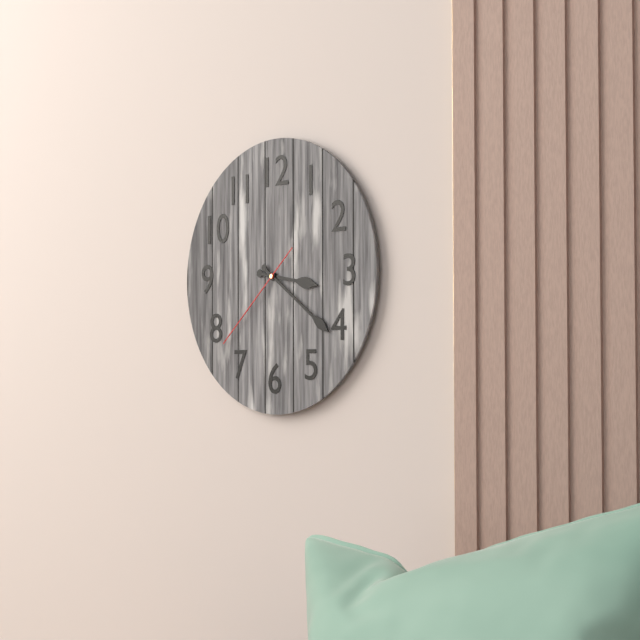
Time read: 3:21:38
